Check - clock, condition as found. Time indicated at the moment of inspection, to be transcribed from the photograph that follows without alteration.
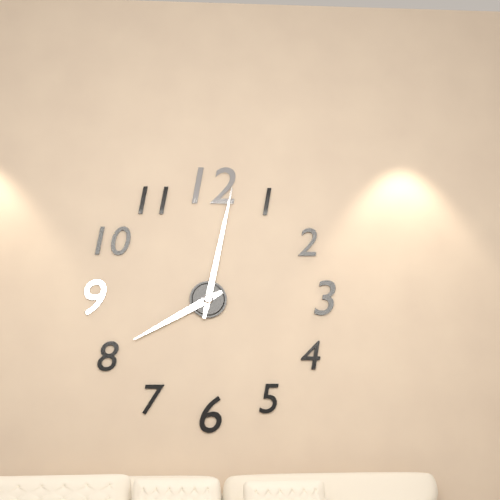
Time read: 8:02
